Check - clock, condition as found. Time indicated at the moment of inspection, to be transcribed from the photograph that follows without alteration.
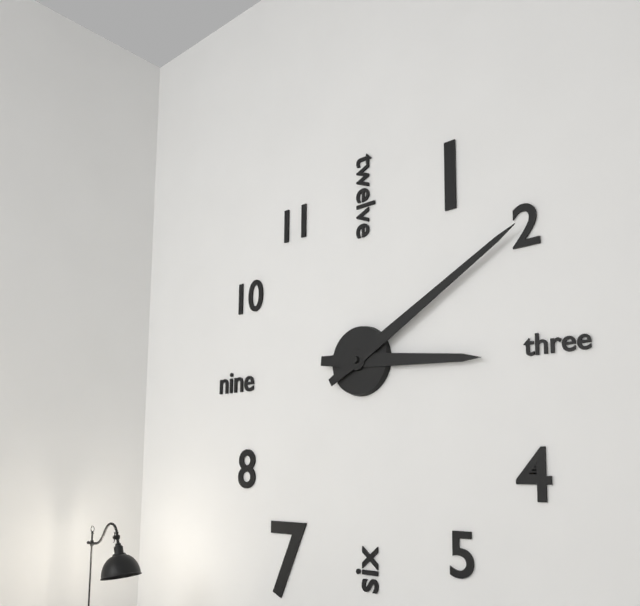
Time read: 3:10
